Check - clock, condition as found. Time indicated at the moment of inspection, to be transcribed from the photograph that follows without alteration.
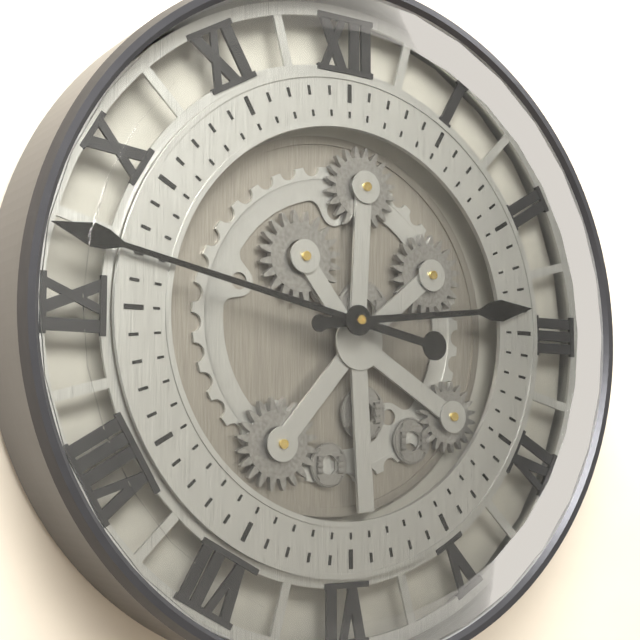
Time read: 2:47
